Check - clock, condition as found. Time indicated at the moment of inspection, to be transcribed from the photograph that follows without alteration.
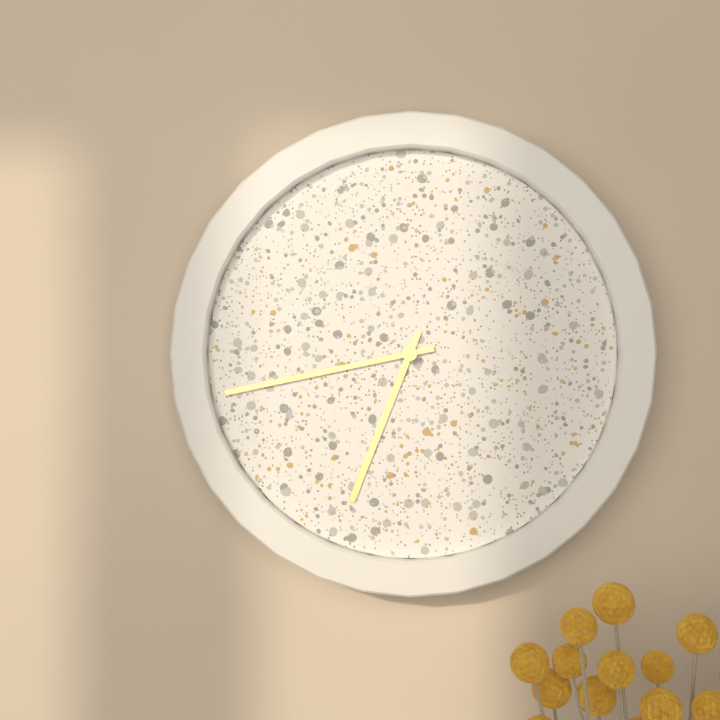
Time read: 6:43
